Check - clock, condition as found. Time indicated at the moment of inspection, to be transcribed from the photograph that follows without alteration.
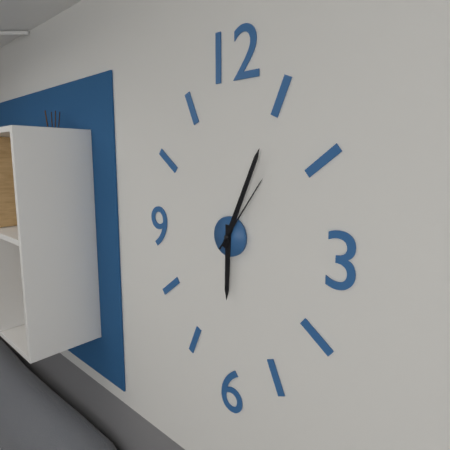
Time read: 6:04:06
